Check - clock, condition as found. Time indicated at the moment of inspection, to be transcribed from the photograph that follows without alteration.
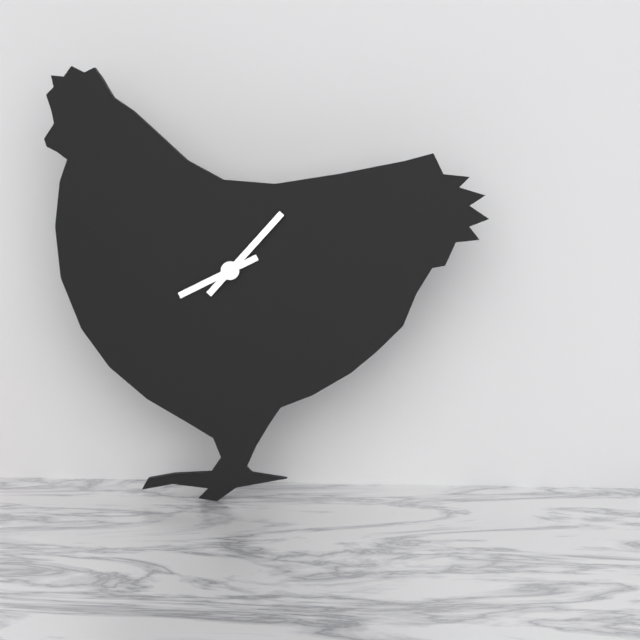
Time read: 8:07
